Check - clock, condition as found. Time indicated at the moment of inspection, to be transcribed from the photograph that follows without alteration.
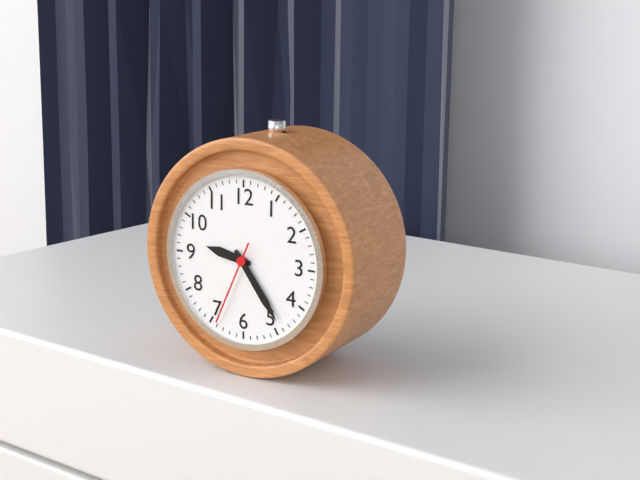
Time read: 9:24:34
